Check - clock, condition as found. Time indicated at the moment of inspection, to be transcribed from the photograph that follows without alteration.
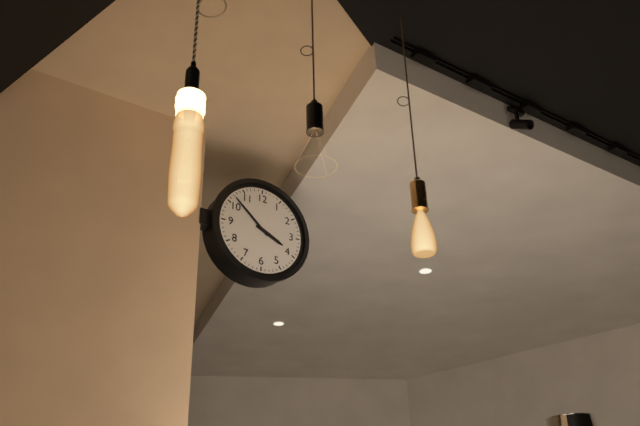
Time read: 3:52
